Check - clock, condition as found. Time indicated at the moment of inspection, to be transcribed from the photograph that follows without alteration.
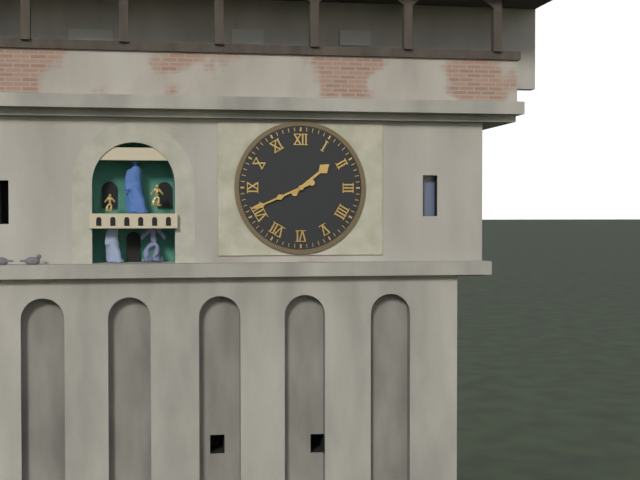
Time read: 1:41
